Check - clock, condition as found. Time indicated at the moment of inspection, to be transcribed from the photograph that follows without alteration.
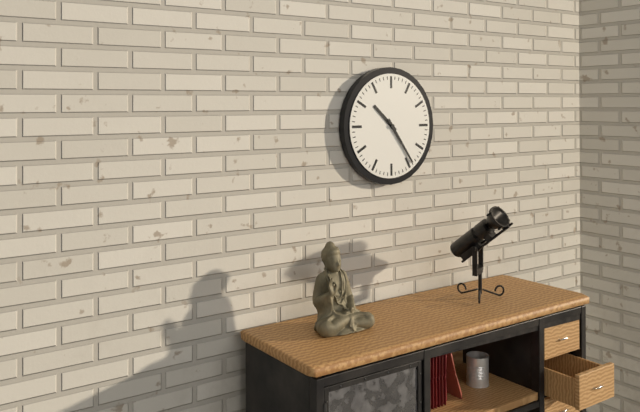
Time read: 10:24
